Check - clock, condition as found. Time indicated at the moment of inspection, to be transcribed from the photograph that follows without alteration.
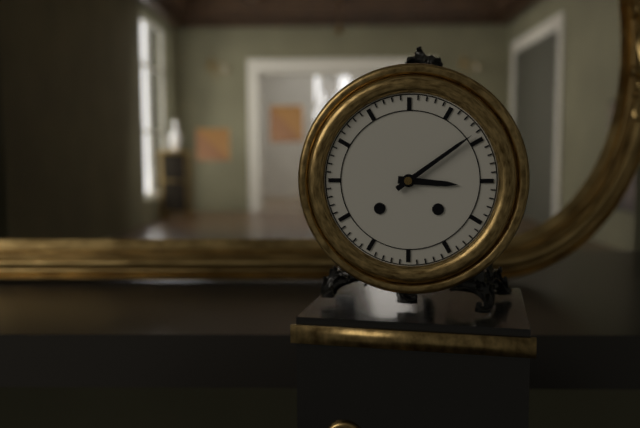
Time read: 3:09
